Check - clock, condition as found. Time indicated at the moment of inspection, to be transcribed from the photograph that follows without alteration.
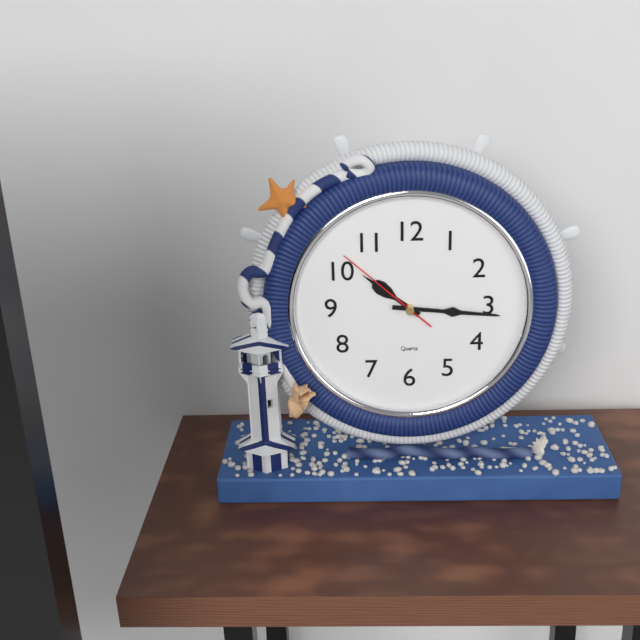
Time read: 10:16:52
